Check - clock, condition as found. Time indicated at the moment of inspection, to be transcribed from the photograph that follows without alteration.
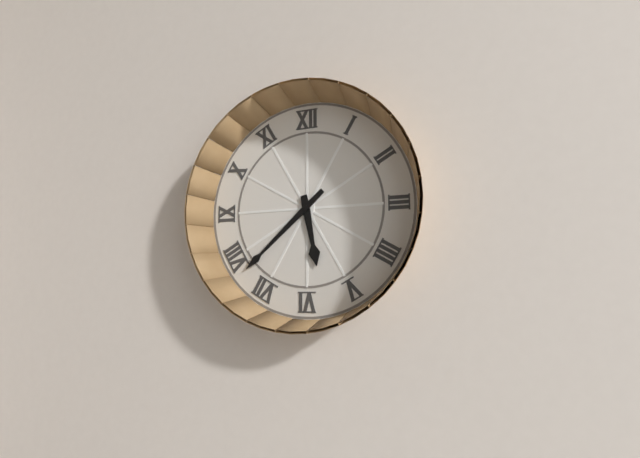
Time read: 5:38
